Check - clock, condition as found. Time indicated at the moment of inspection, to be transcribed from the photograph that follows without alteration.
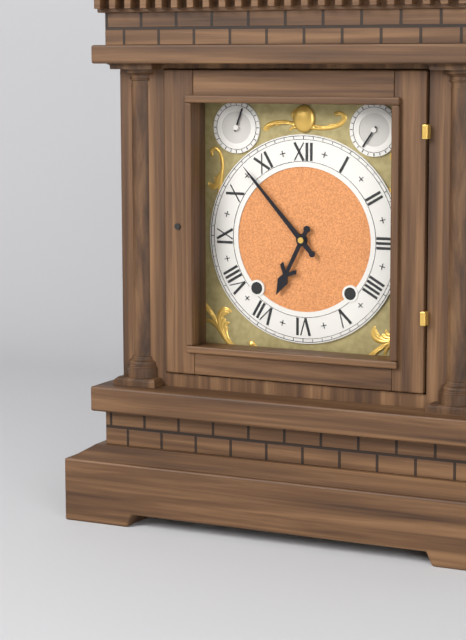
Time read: 6:53
